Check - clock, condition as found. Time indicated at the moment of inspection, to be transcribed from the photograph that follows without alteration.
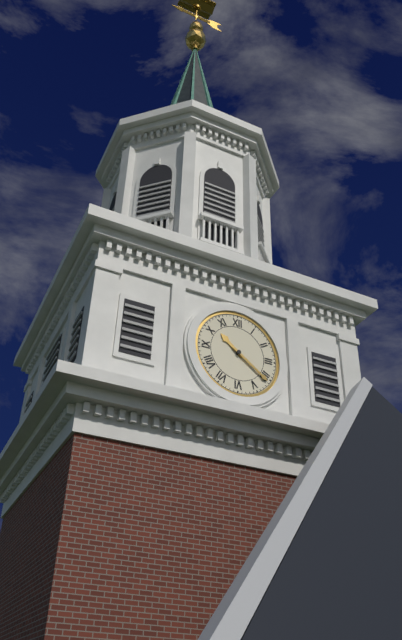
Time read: 10:21
